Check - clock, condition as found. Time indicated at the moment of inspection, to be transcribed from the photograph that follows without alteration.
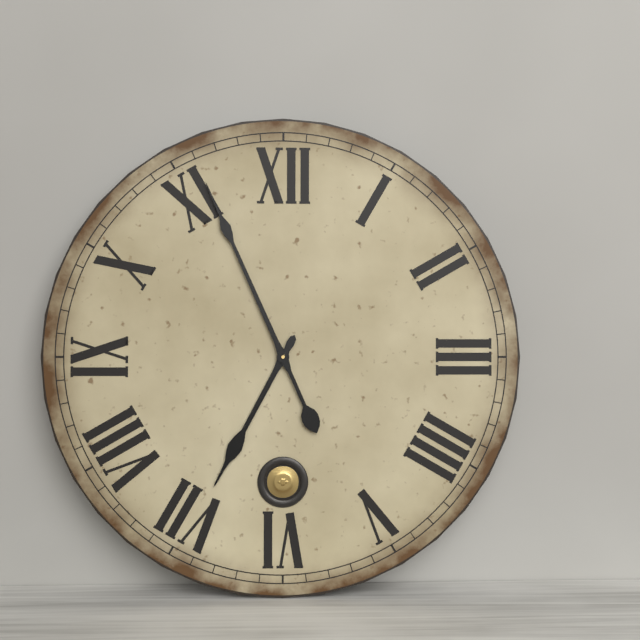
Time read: 6:56
